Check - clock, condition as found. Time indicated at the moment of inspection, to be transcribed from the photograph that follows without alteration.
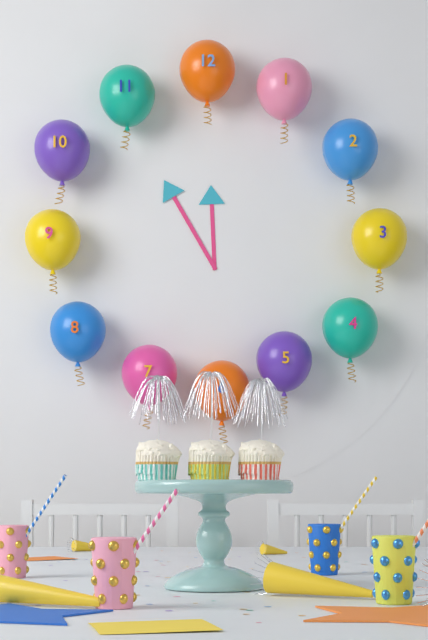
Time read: 11:55
